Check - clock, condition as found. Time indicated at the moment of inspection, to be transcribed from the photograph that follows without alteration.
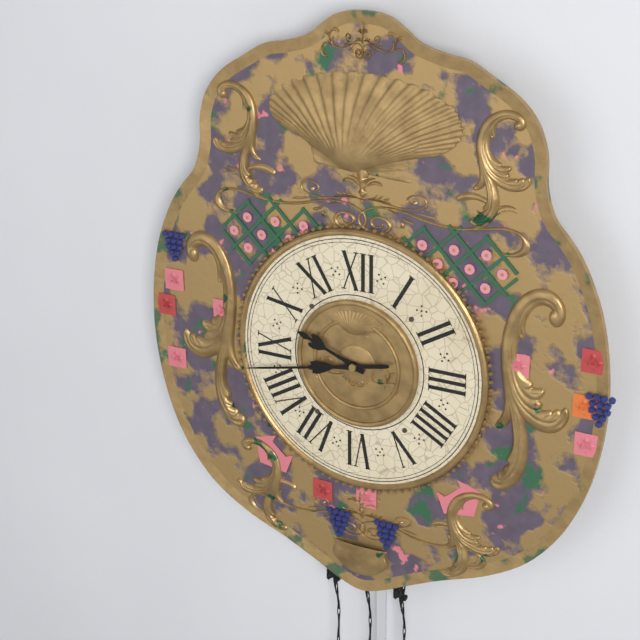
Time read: 9:43
